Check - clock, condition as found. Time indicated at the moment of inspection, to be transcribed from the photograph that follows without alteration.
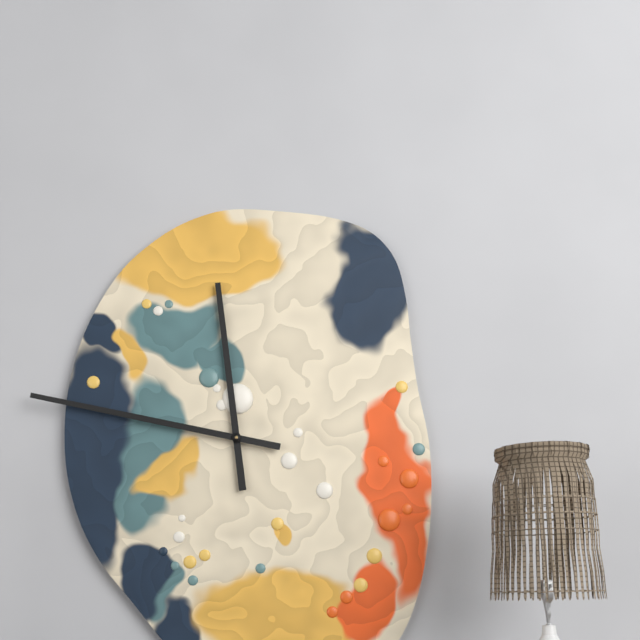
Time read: 11:47
